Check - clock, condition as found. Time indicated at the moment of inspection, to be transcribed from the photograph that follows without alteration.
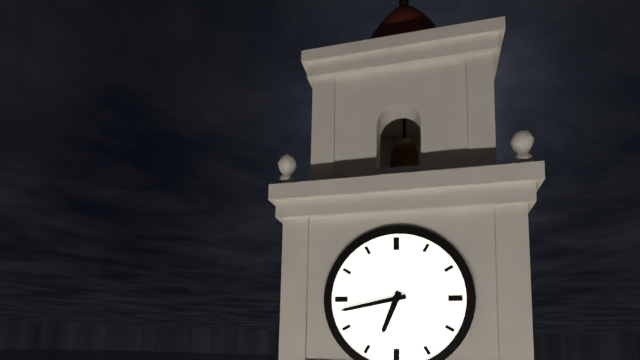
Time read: 6:43
